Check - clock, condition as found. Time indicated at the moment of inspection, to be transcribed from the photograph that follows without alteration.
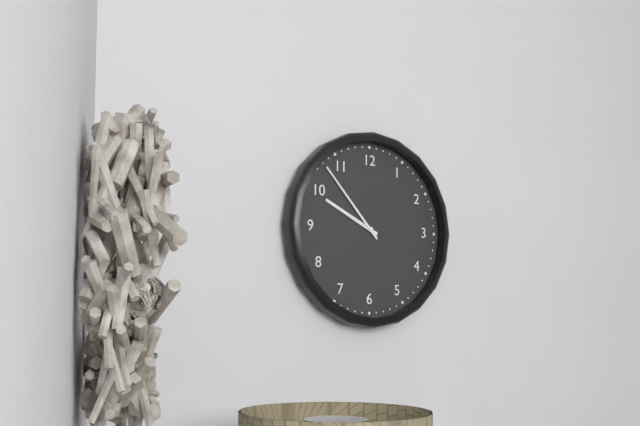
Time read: 9:53
